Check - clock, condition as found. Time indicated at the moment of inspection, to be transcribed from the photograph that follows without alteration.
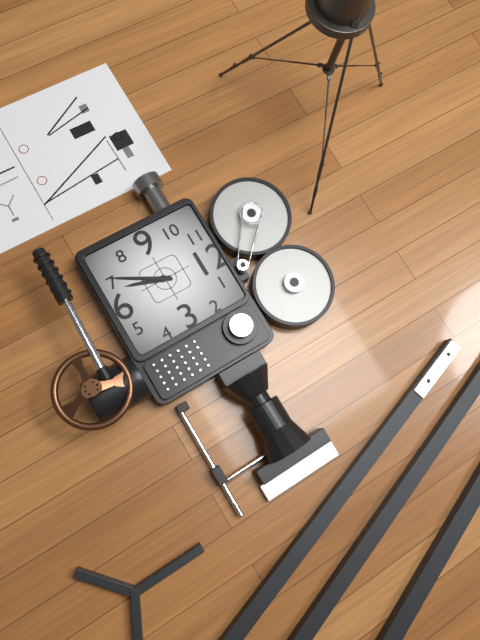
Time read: 6:35
